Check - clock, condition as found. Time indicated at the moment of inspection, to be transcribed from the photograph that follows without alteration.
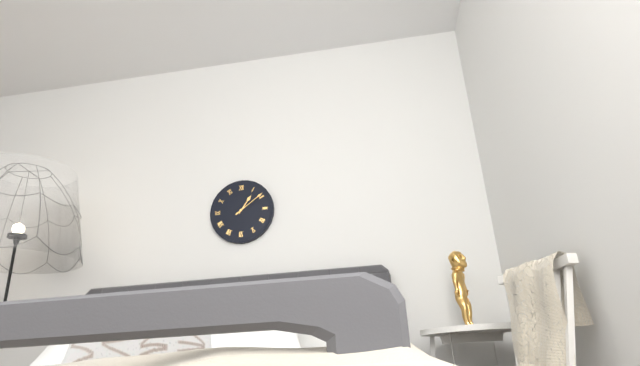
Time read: 1:09
